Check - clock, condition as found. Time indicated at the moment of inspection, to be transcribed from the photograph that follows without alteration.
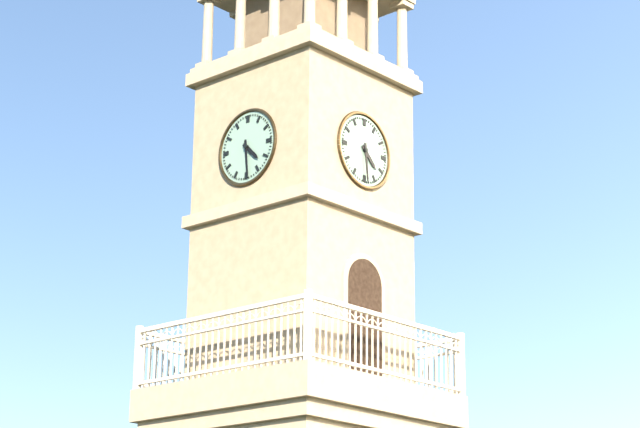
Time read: 4:29
